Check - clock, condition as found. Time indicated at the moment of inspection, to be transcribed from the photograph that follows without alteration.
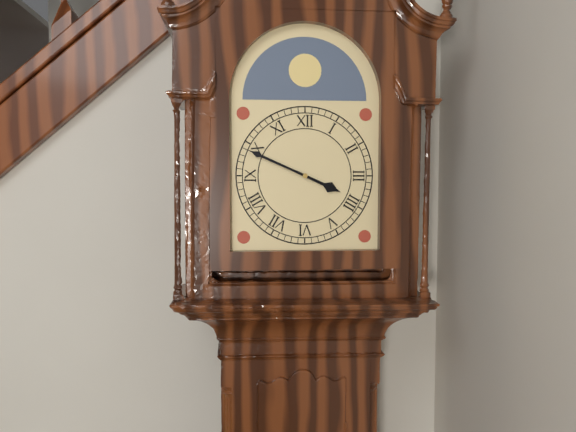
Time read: 3:49
